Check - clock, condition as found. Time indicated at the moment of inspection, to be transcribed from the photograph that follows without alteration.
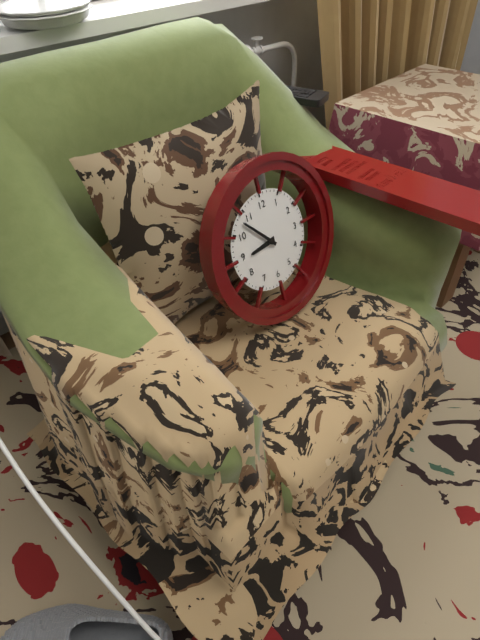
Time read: 8:53
